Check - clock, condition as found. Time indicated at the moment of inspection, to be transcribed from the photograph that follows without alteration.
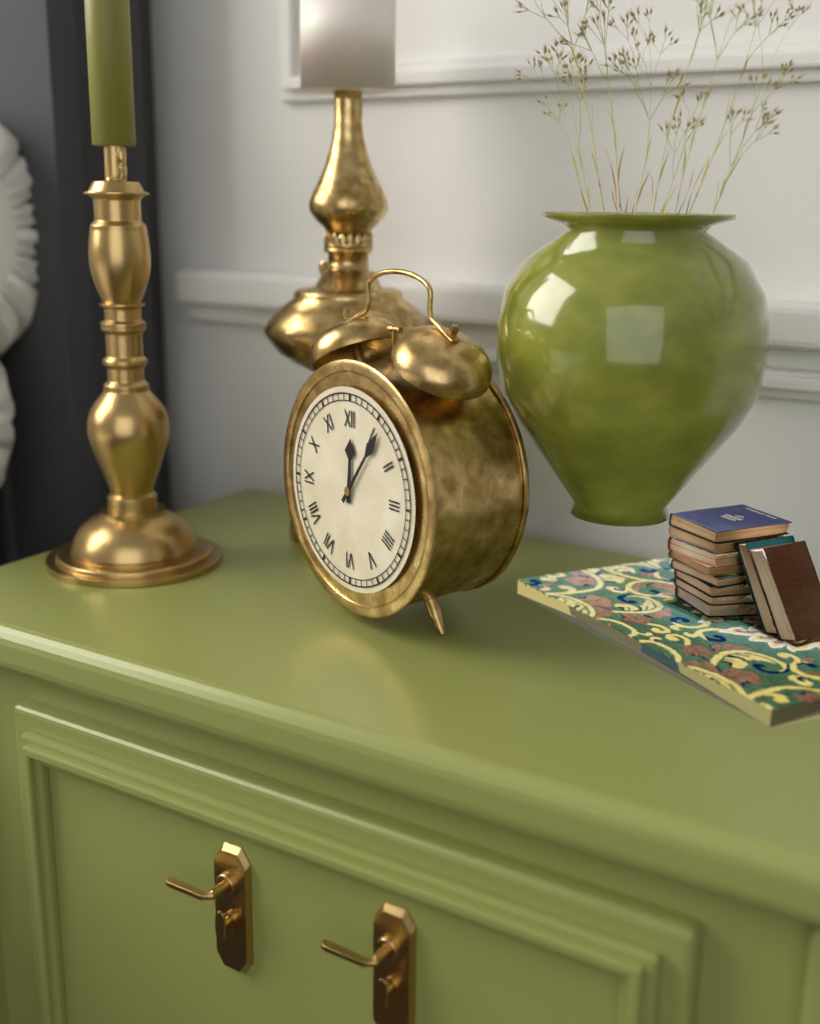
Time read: 12:06
